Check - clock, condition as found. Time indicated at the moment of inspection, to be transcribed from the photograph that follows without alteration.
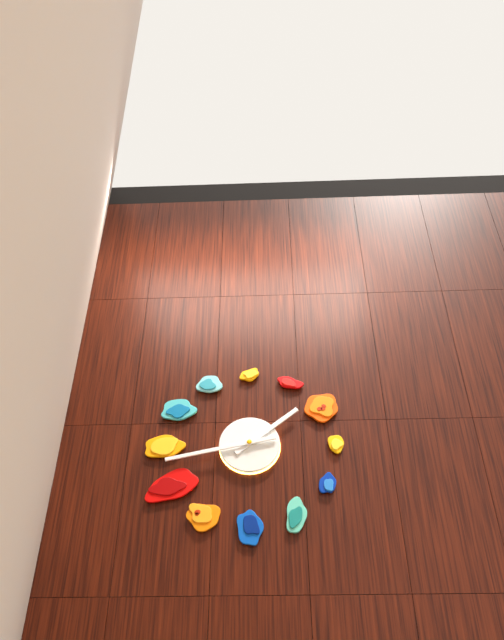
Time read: 1:43
